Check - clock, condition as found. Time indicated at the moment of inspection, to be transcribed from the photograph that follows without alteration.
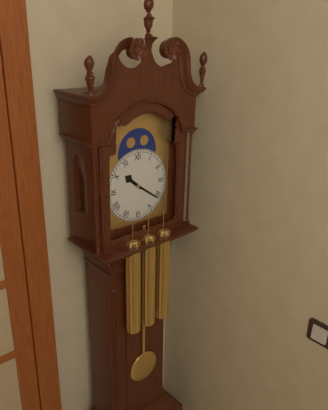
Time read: 10:21
